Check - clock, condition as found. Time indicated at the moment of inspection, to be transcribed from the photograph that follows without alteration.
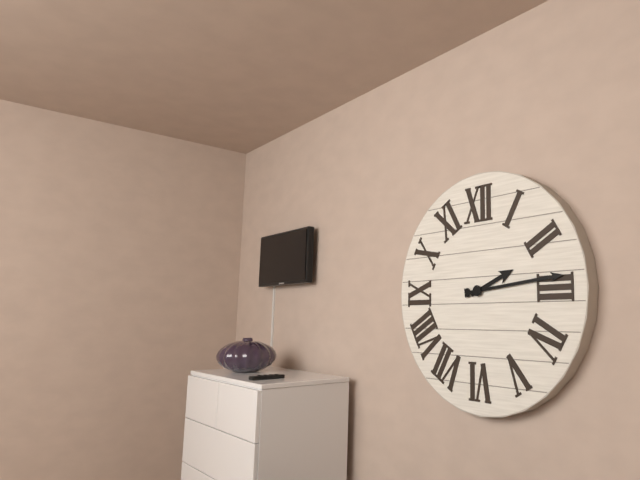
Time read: 2:14
